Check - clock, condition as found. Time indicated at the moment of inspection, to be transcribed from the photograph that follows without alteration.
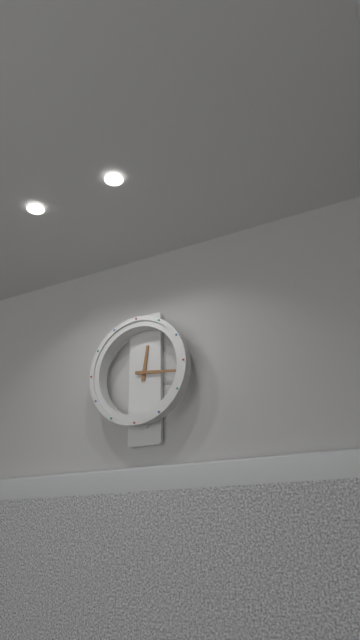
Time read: 12:16
